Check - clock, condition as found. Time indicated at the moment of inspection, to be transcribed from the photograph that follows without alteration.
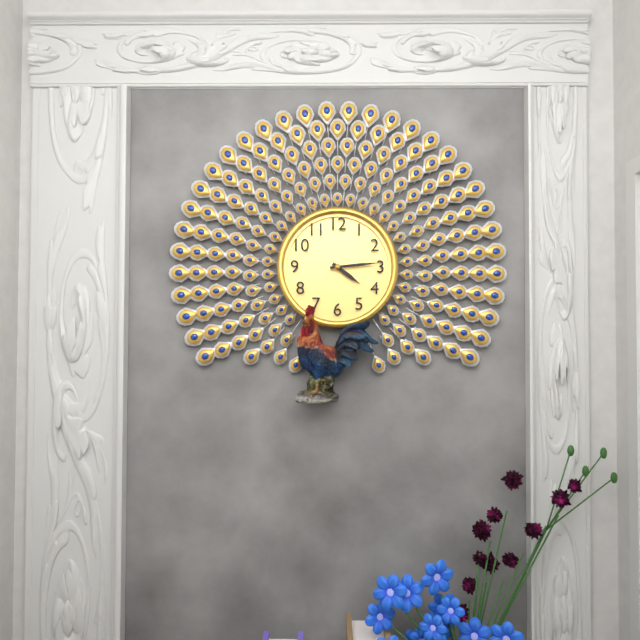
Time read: 4:14
